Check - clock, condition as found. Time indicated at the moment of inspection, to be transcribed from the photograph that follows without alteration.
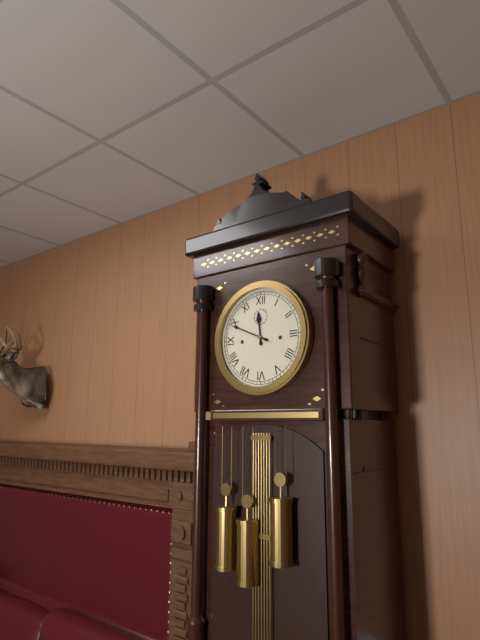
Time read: 11:49
